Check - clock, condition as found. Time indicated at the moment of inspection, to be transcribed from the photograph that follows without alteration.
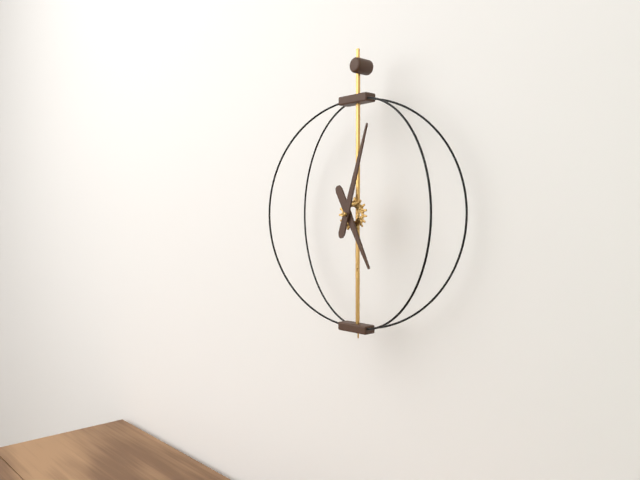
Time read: 5:03
